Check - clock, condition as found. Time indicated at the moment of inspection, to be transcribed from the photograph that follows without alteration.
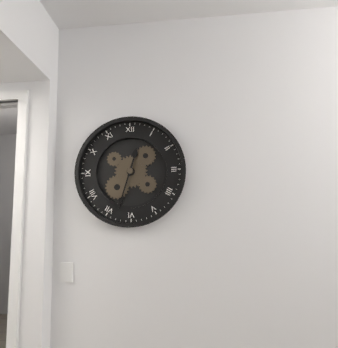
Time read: 12:33
